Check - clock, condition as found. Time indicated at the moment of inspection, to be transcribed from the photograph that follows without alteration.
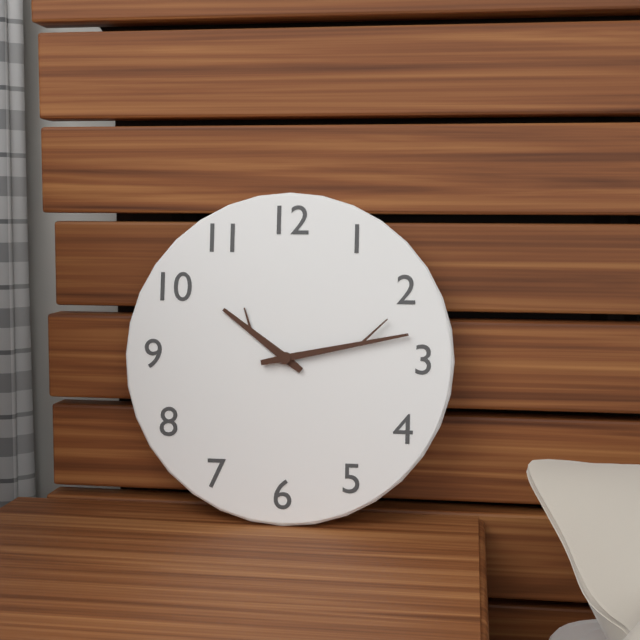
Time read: 10:13
